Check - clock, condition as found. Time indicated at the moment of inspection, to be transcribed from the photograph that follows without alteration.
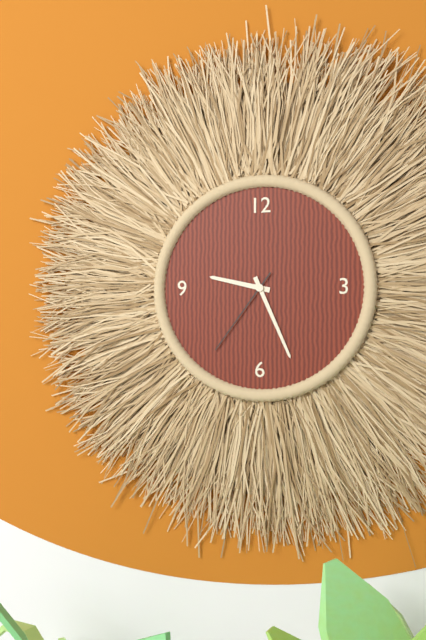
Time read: 9:26:36
